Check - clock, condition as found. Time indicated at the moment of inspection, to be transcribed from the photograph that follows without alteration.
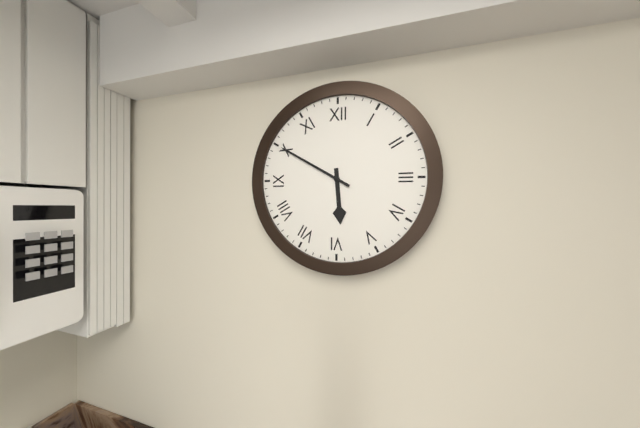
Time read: 5:50
